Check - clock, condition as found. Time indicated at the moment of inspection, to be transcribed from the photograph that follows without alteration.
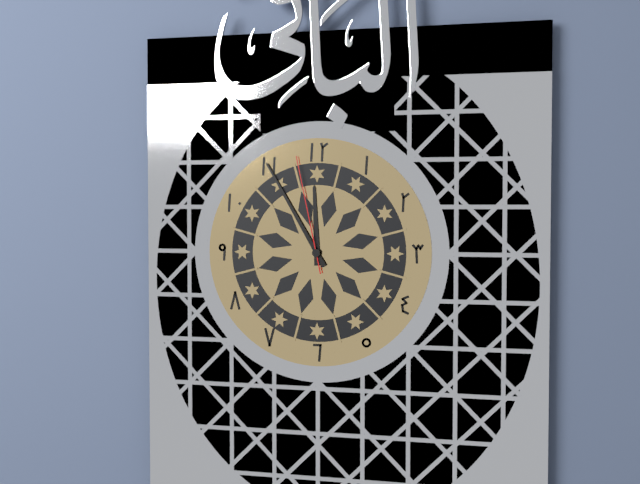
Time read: 11:55:58
